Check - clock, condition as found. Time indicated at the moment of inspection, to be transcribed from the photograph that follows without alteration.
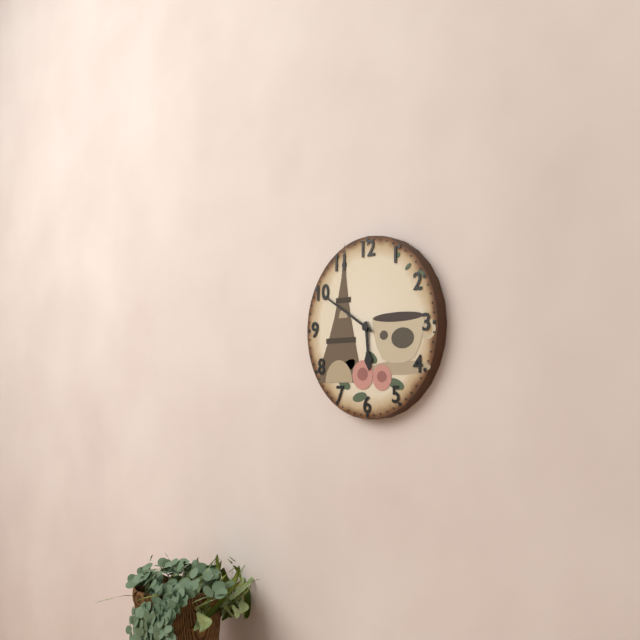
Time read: 5:50
